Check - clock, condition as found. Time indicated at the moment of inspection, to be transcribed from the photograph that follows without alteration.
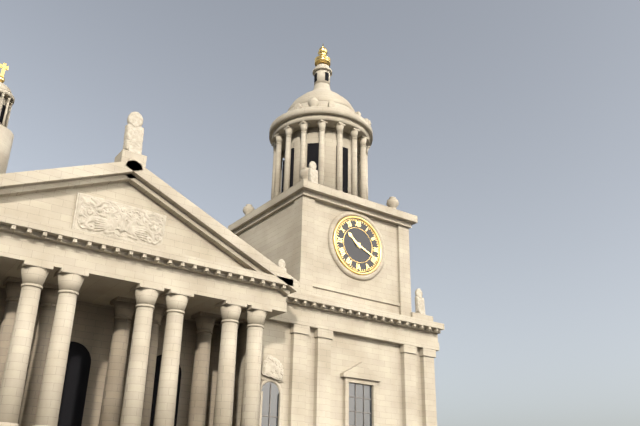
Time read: 10:19
